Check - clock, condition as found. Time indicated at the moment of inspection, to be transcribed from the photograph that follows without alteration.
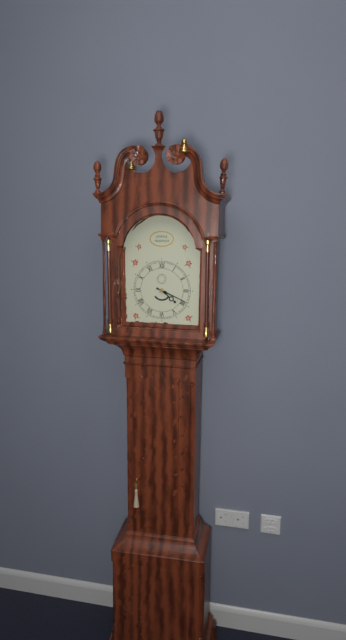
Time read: 4:19
